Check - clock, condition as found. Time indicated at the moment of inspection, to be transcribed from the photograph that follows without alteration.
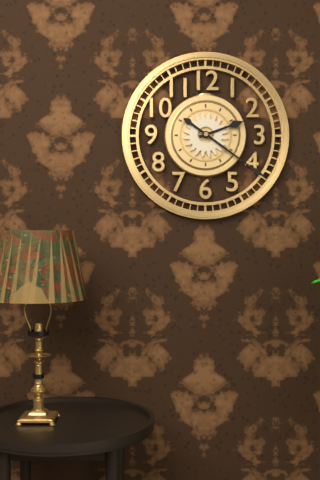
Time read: 2:21
